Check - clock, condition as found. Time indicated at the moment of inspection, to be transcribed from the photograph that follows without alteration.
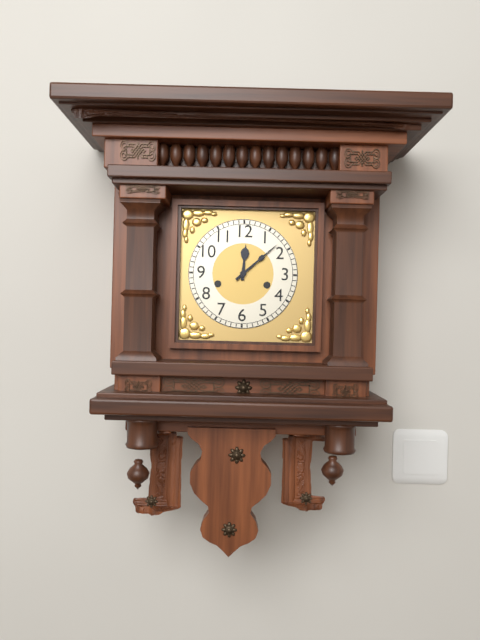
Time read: 12:08
